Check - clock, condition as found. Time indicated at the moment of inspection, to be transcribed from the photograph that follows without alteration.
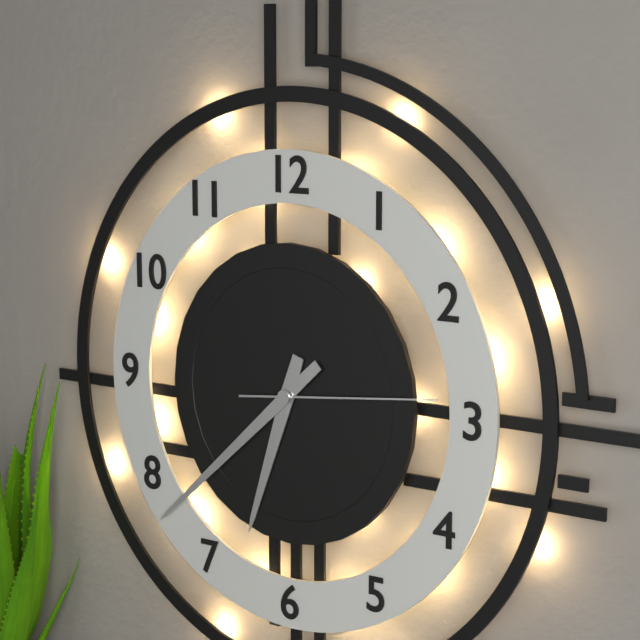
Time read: 6:38:14
